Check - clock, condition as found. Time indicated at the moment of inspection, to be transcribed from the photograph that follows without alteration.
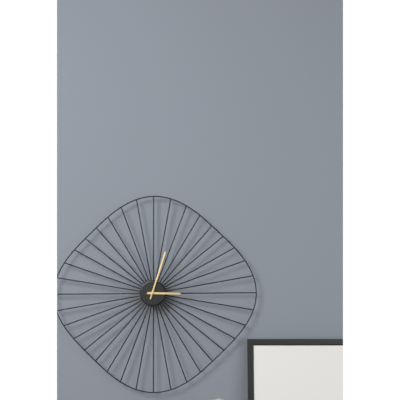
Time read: 3:03
